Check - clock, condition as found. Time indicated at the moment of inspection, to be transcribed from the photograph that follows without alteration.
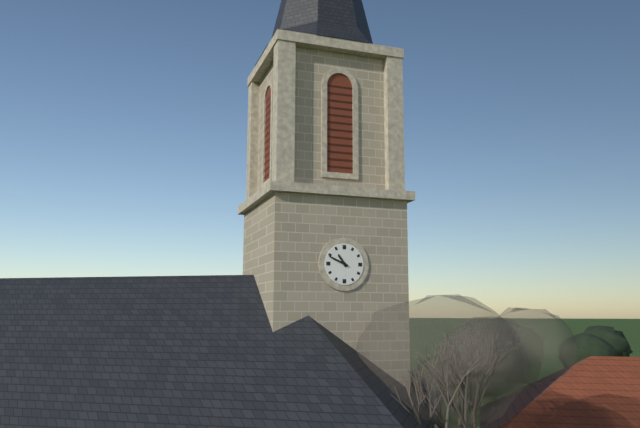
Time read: 10:49
